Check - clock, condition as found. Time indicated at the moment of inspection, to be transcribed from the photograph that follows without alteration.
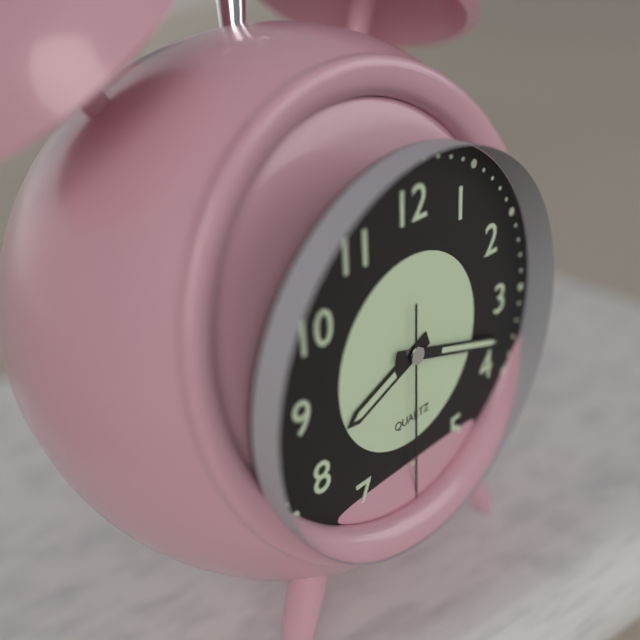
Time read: 8:18:30
